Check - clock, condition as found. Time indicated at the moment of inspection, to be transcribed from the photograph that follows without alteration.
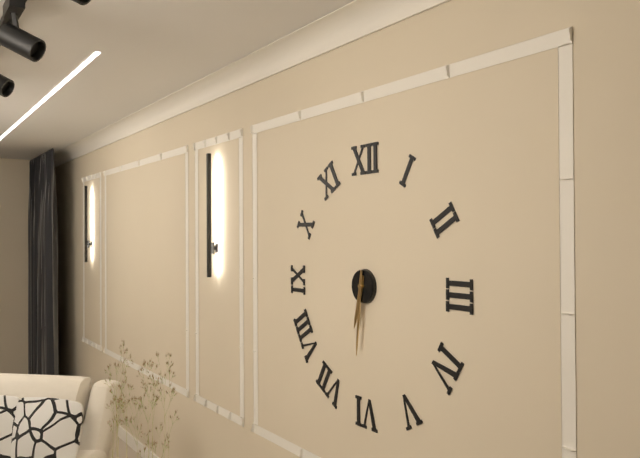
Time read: 6:31
